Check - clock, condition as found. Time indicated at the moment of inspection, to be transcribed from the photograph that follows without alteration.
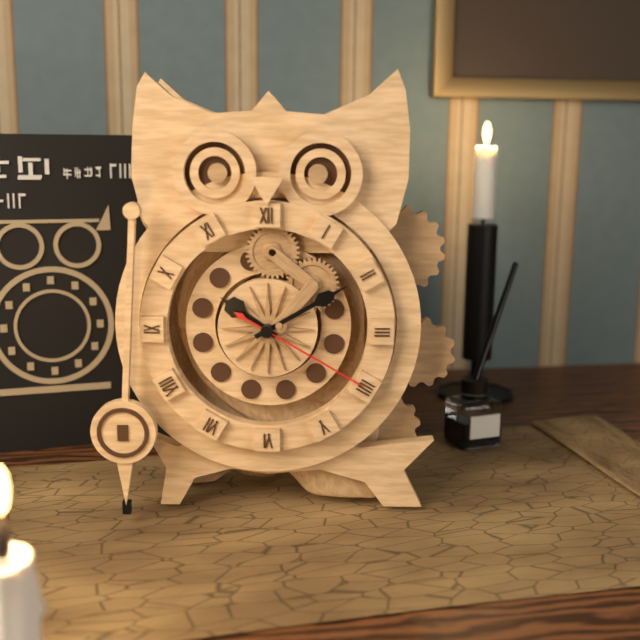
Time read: 10:10:20
